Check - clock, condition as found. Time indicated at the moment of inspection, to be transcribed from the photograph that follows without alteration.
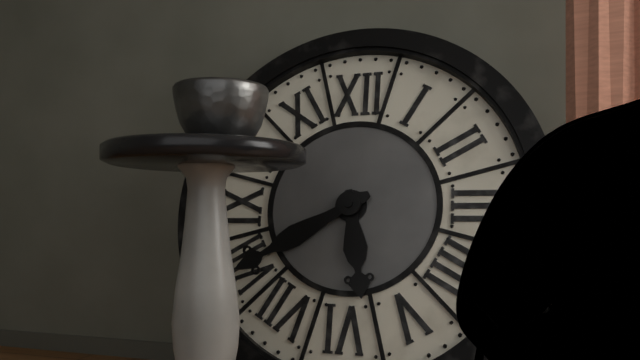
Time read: 5:40
